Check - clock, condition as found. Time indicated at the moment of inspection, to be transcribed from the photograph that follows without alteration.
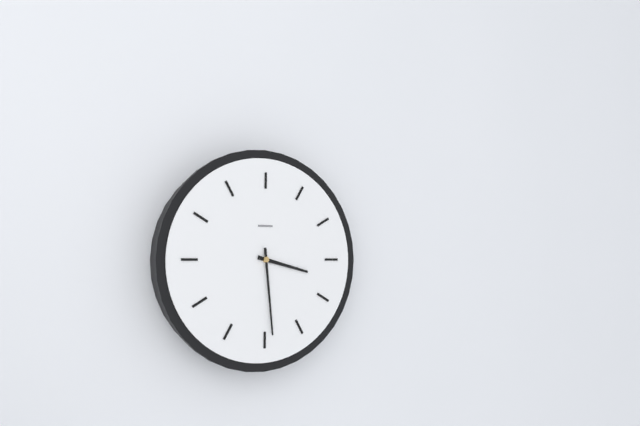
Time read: 3:29
